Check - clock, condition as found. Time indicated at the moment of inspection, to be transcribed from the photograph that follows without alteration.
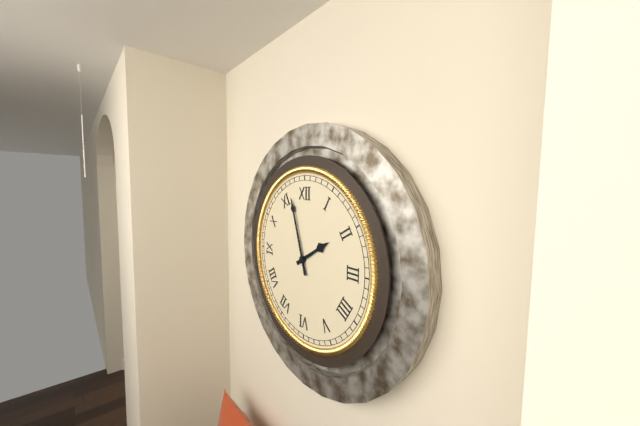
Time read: 1:57
